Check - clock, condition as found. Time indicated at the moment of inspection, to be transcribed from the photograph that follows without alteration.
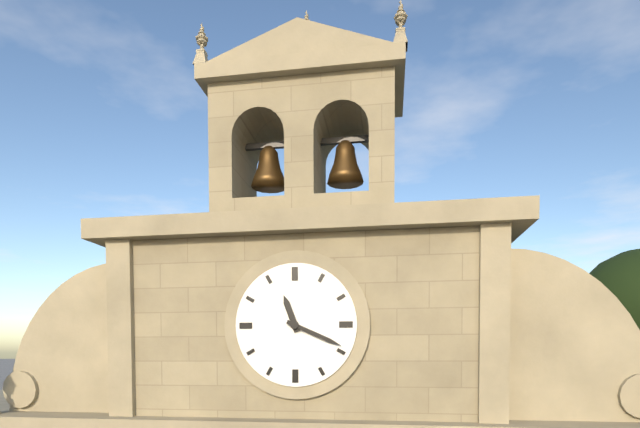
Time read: 11:19
